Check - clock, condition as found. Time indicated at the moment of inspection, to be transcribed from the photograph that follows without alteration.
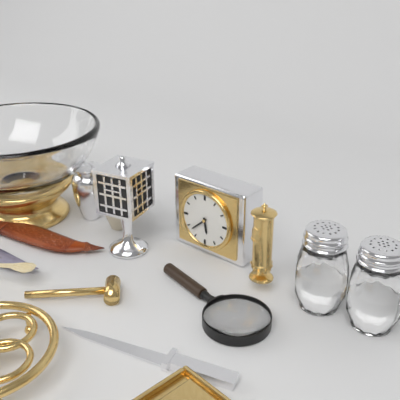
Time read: 5:38
